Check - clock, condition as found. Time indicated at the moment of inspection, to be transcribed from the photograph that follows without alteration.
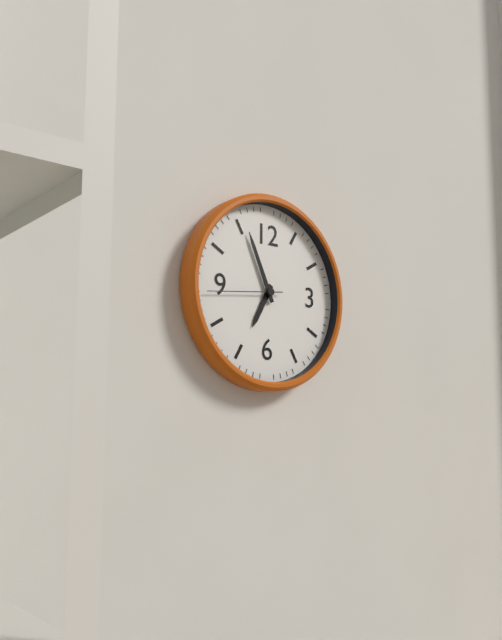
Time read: 6:56:44
